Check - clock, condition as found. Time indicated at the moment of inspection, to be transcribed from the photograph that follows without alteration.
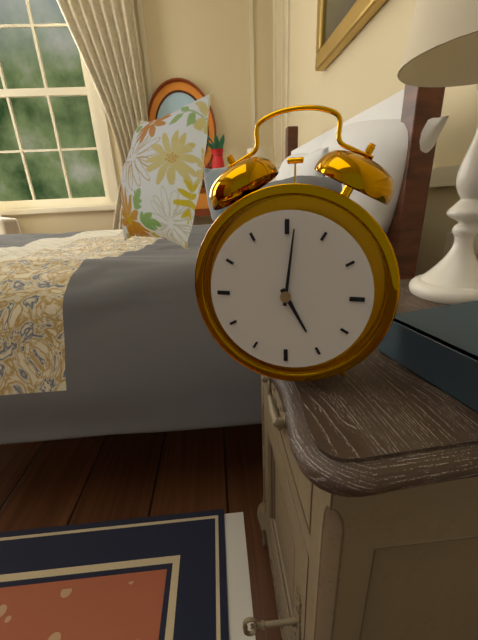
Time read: 5:01
